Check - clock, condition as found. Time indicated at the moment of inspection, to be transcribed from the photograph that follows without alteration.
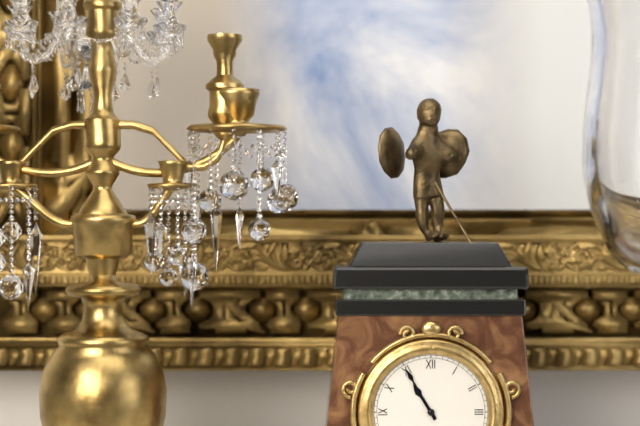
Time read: 10:55
